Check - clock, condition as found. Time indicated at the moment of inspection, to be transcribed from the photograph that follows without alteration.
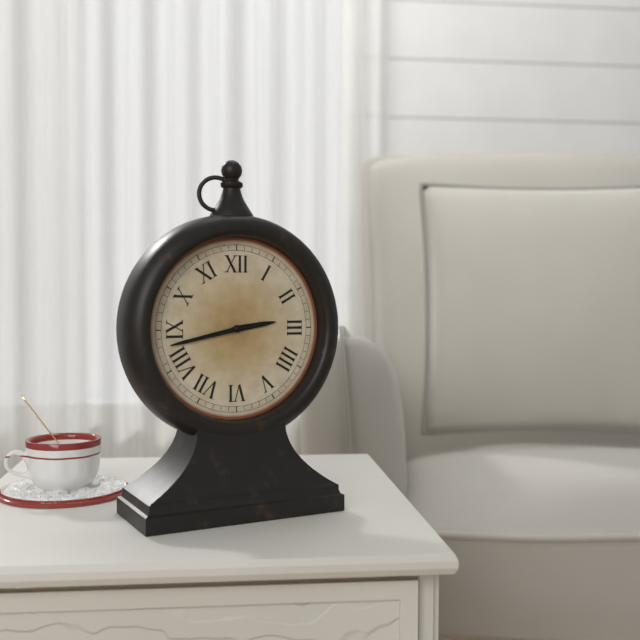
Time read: 2:43
